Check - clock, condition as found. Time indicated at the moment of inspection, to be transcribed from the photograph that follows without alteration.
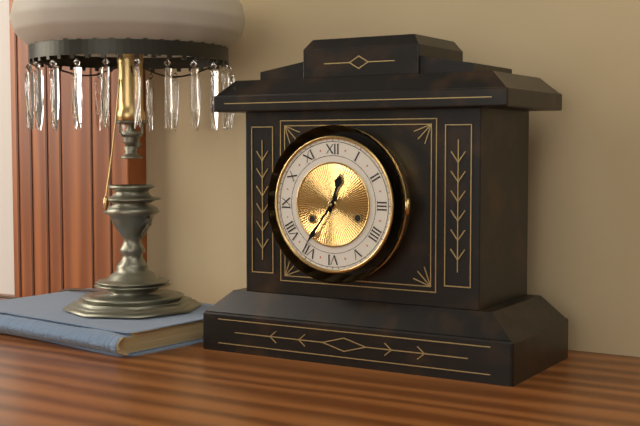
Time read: 12:36
